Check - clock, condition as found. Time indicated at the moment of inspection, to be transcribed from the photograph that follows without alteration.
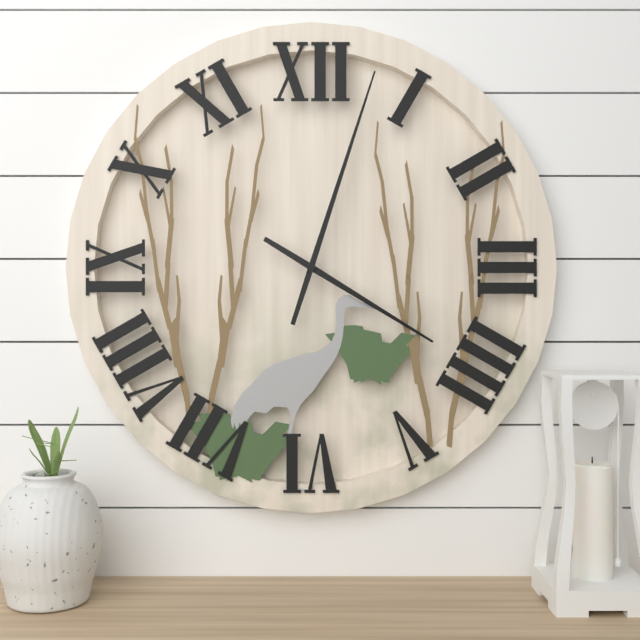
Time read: 4:03
